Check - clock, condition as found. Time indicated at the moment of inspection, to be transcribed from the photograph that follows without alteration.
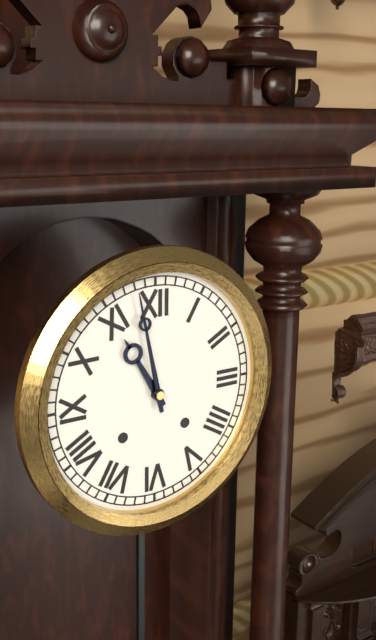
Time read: 10:58
